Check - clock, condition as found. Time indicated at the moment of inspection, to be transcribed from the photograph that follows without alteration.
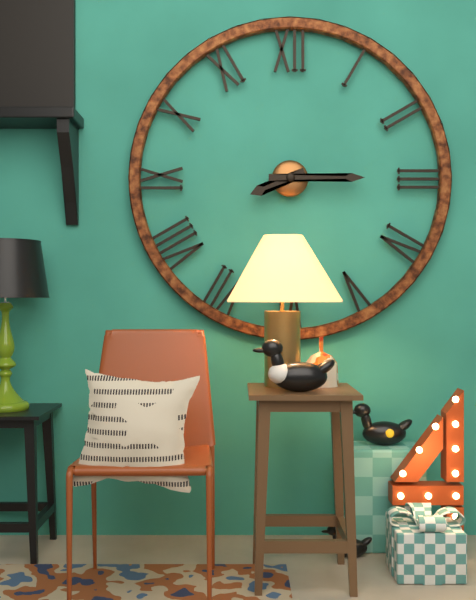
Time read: 8:15
